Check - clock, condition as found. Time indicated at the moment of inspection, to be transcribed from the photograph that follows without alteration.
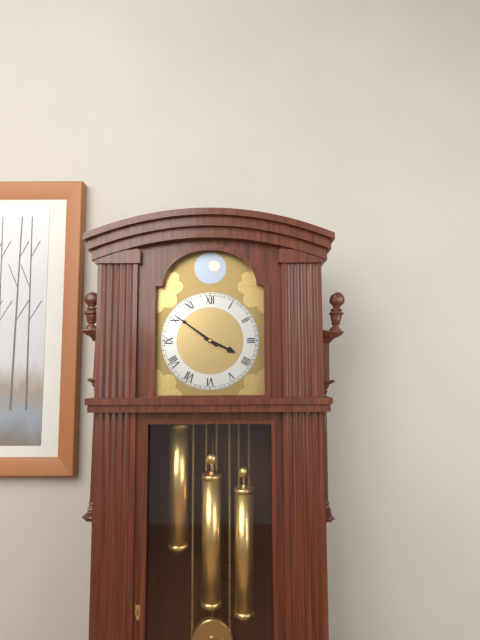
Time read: 3:51
